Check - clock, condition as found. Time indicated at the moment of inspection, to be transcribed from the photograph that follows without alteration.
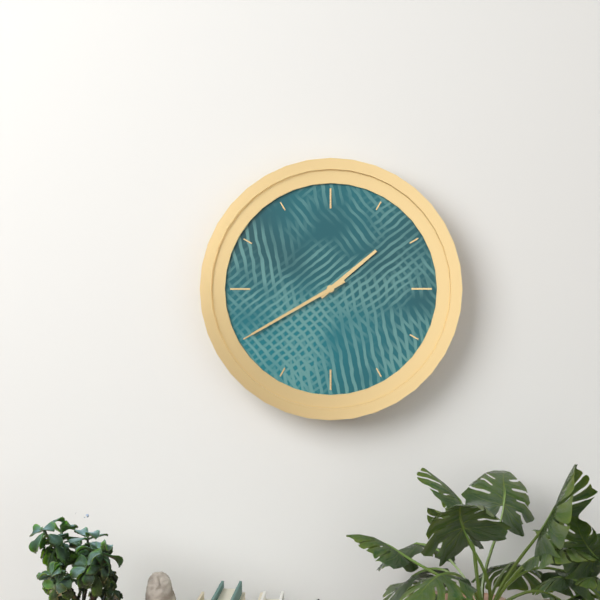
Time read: 1:40
